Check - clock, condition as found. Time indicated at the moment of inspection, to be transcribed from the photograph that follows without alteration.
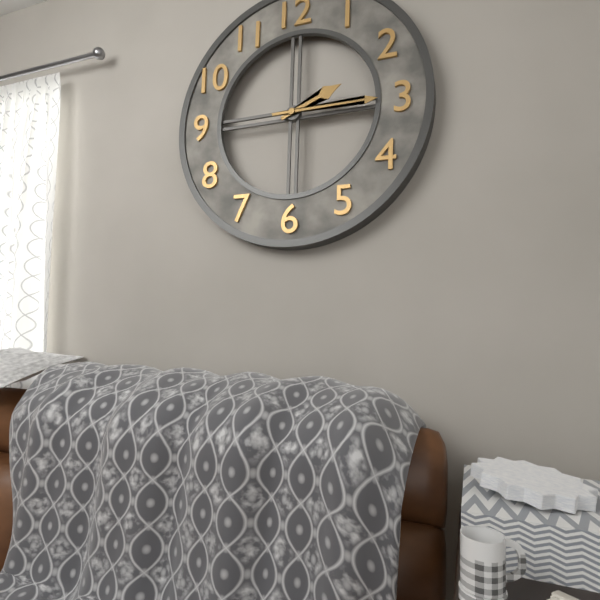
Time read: 2:15
